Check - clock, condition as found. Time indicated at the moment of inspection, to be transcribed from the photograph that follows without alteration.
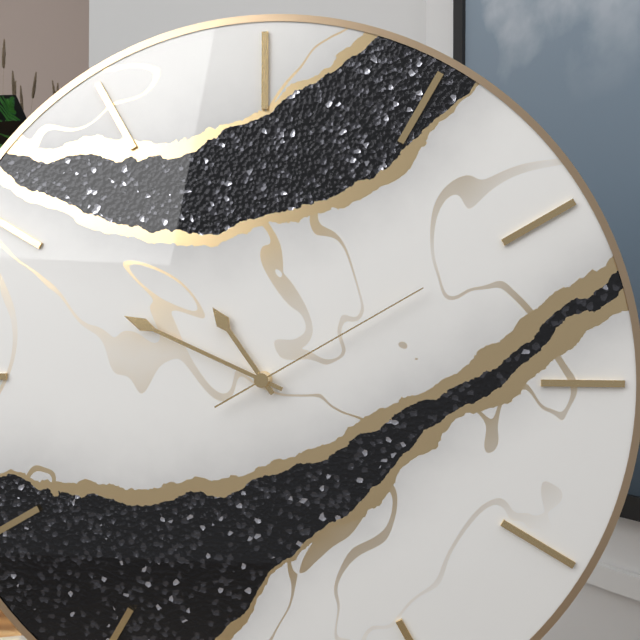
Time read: 10:49:10
